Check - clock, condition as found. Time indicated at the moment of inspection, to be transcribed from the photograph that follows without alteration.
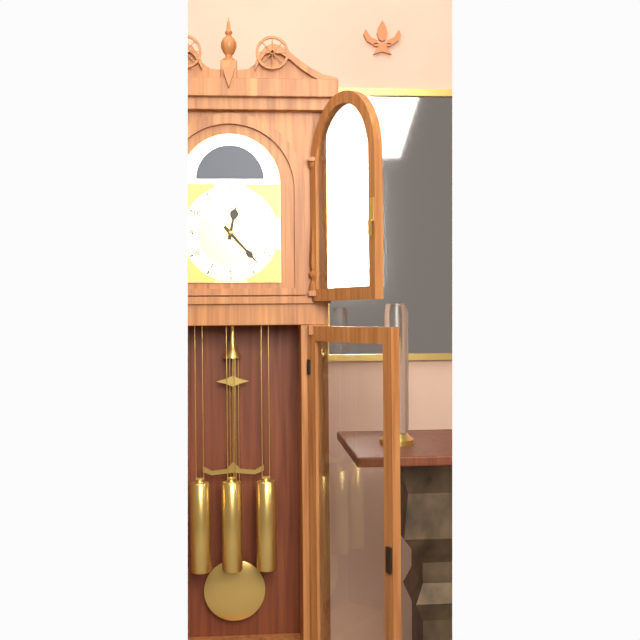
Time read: 12:23
